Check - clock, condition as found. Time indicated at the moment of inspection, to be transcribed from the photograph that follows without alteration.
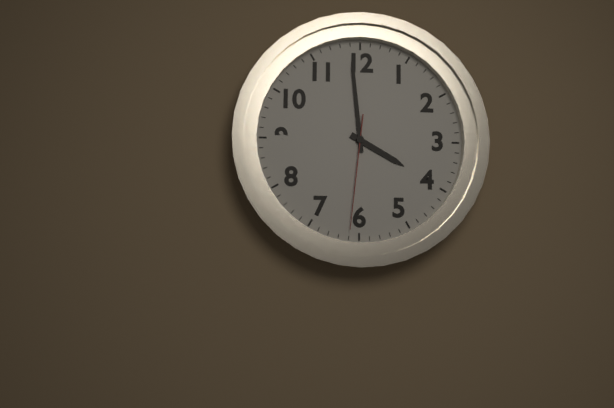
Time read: 3:59:31
